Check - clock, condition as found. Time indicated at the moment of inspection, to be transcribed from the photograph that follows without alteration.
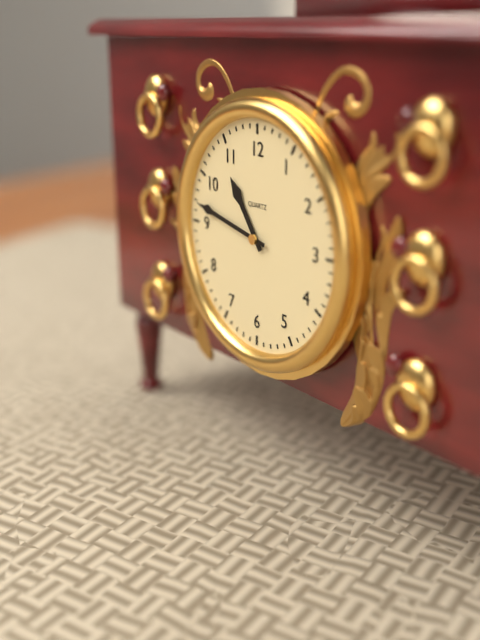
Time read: 10:47
